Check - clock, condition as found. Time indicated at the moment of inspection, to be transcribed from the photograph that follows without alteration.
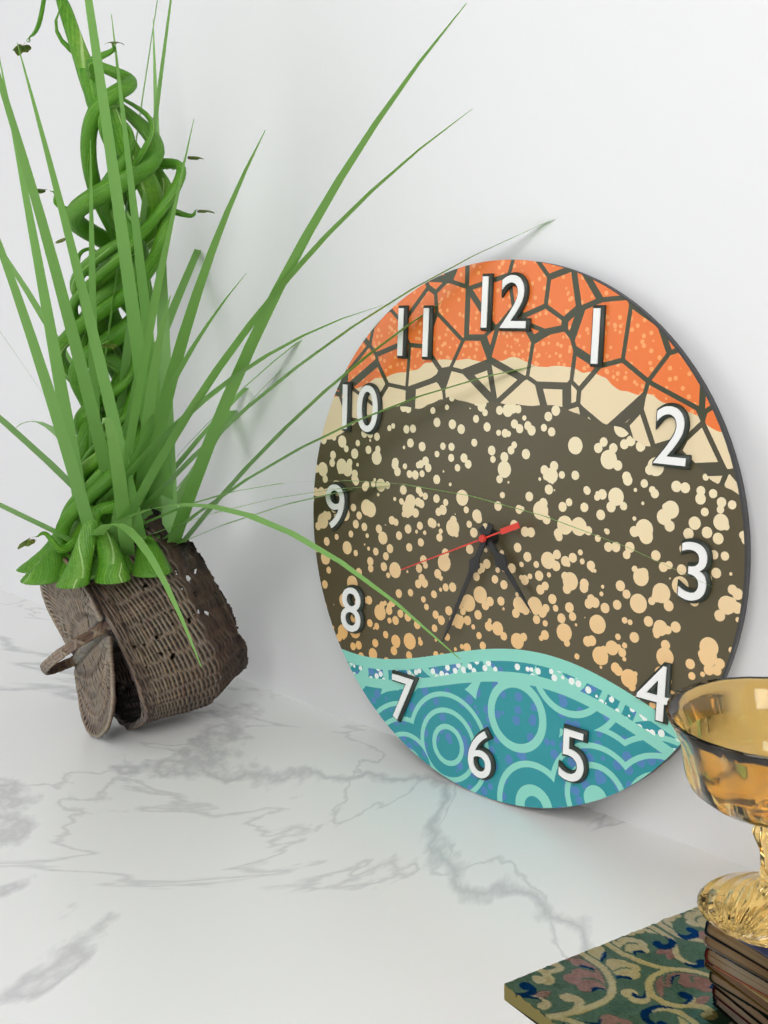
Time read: 4:34:41
